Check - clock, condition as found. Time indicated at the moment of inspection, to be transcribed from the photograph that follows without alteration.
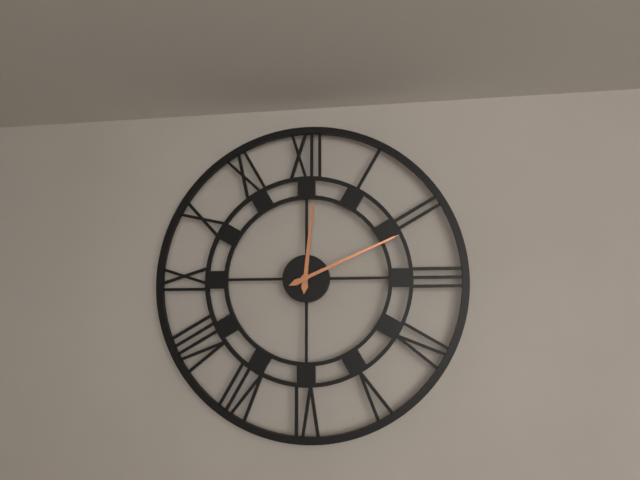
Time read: 12:11
